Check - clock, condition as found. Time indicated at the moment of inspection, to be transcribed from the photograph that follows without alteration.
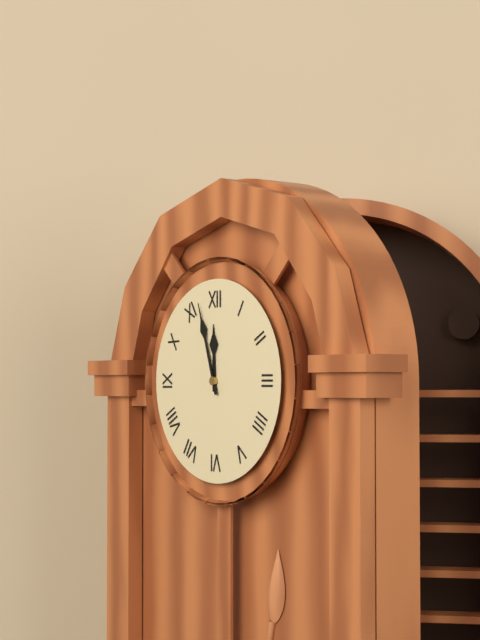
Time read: 11:57
